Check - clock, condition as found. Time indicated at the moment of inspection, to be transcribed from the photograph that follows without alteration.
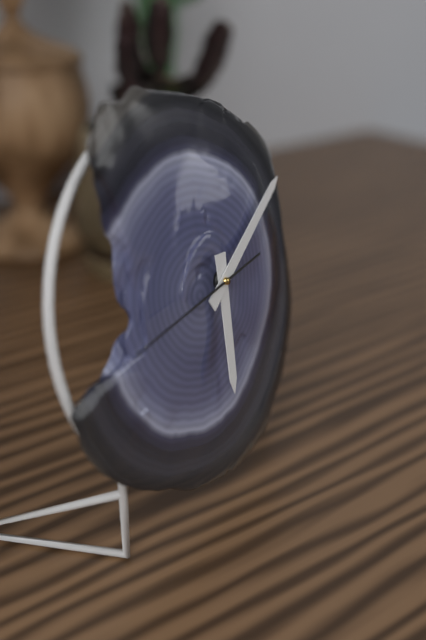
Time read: 6:10:44
